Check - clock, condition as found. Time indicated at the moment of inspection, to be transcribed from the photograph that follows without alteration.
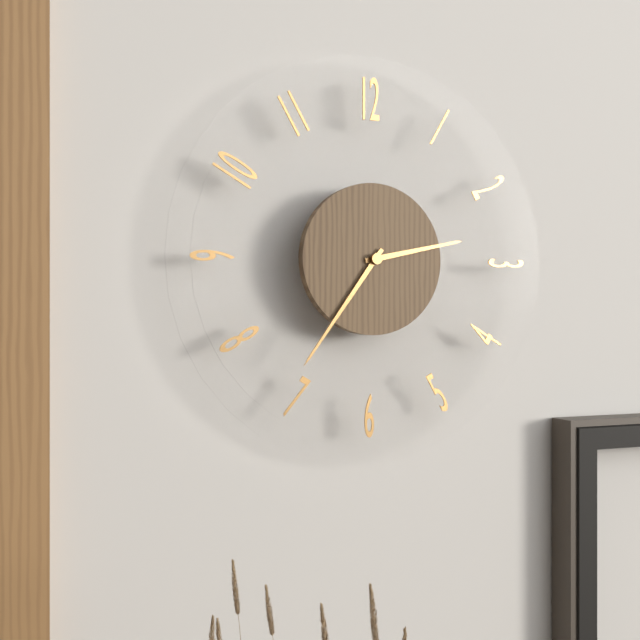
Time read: 2:36
